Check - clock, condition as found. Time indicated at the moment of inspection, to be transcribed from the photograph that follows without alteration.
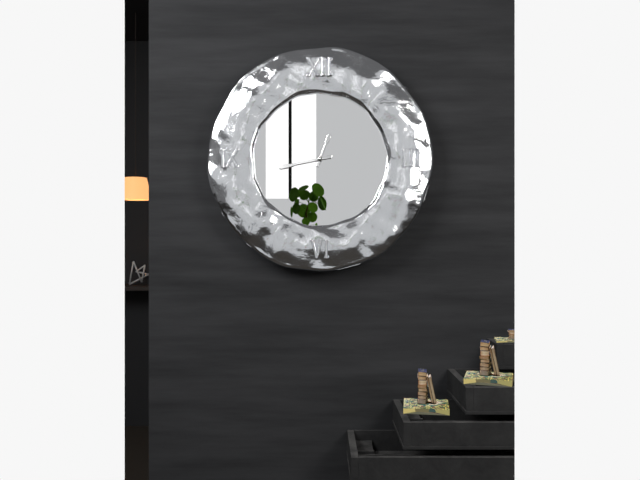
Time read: 12:43
